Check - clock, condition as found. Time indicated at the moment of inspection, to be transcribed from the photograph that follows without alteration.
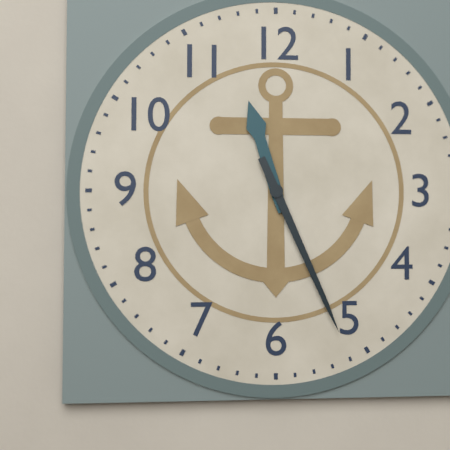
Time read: 11:26
